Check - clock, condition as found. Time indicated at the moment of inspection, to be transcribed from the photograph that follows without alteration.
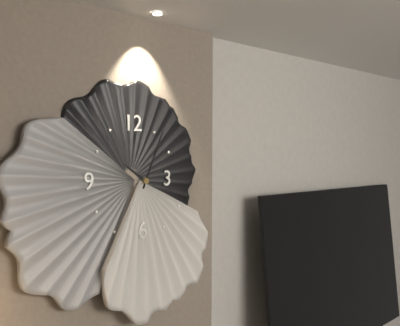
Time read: 10:04
